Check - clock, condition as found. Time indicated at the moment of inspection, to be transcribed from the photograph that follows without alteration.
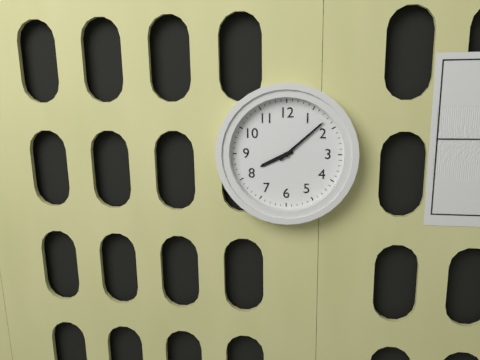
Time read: 8:08
